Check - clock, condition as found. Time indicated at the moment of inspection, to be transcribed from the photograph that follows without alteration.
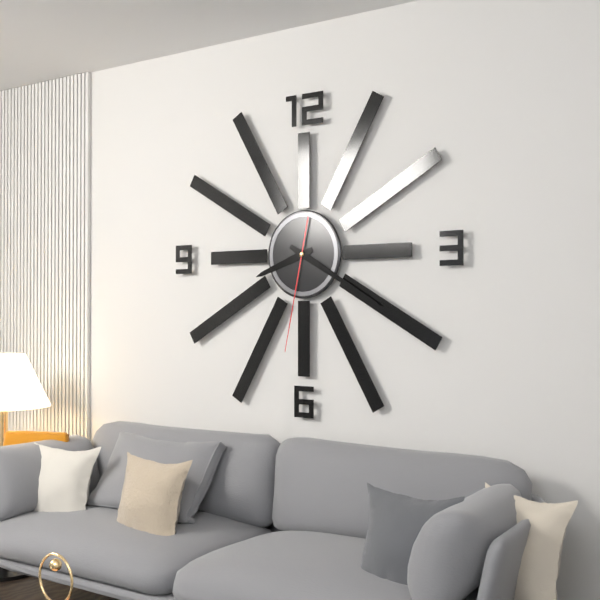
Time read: 8:20:32
